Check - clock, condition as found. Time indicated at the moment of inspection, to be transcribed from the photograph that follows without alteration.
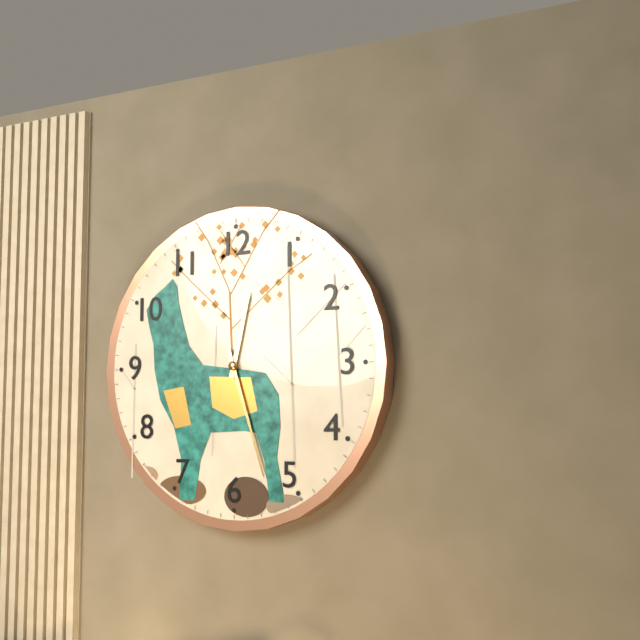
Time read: 12:27
